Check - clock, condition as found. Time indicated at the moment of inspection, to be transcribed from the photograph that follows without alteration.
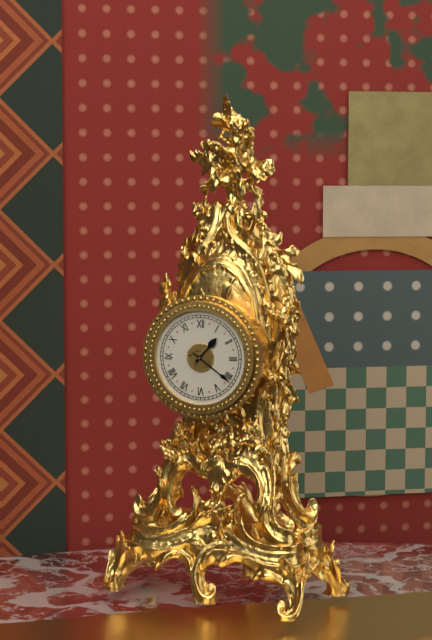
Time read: 1:21
